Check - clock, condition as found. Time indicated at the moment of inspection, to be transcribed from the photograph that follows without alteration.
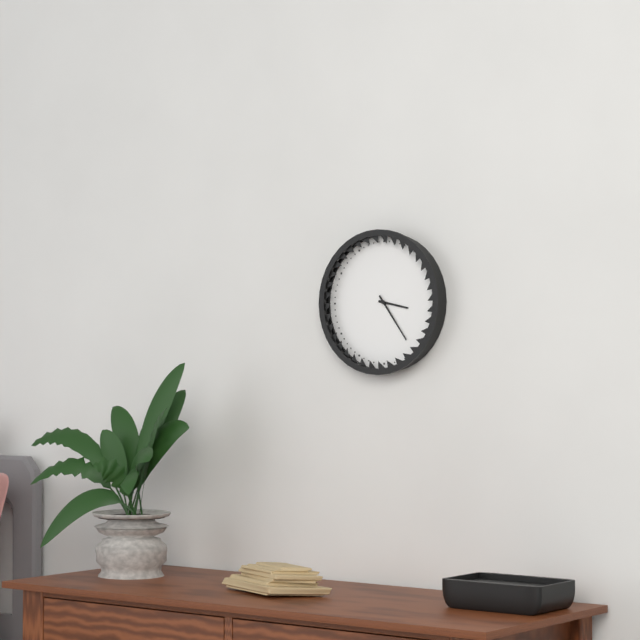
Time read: 3:24
